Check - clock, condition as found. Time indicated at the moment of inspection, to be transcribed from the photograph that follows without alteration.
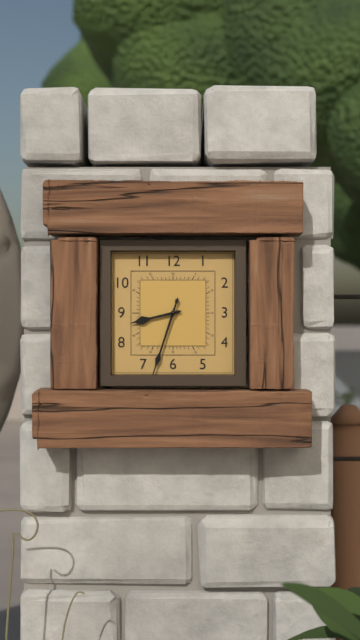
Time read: 8:33
